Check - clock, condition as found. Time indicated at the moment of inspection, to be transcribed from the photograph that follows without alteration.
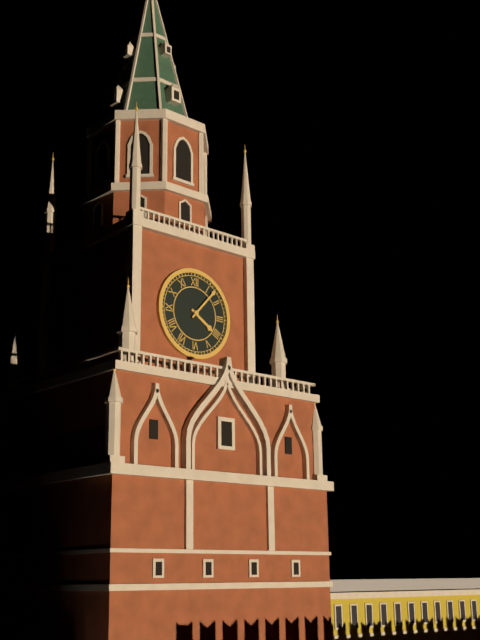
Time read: 4:07
